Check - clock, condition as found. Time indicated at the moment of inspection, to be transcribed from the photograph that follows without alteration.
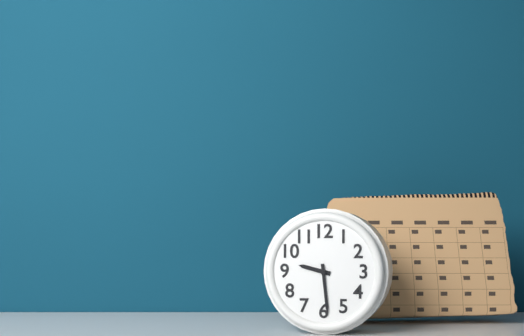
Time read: 9:29
